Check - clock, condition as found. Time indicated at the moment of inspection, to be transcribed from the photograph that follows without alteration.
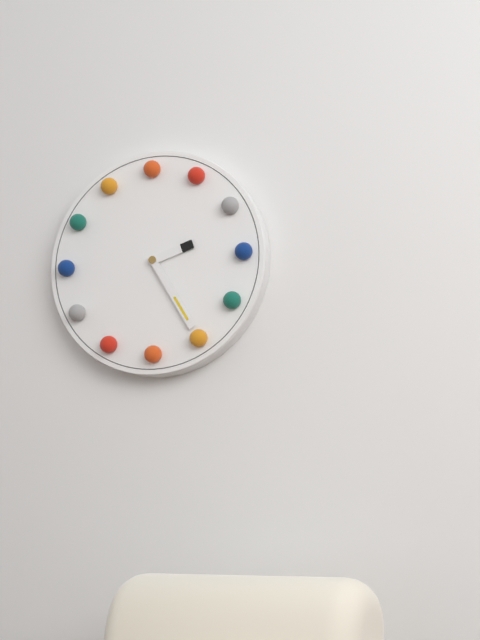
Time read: 2:25
